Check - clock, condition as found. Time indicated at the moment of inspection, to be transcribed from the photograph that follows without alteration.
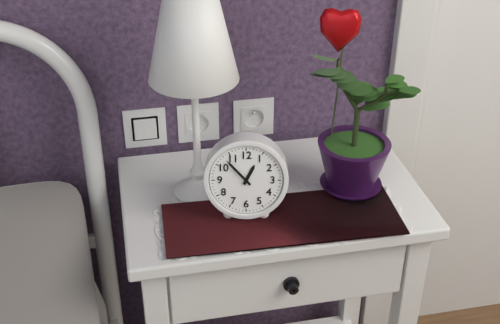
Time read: 12:53
